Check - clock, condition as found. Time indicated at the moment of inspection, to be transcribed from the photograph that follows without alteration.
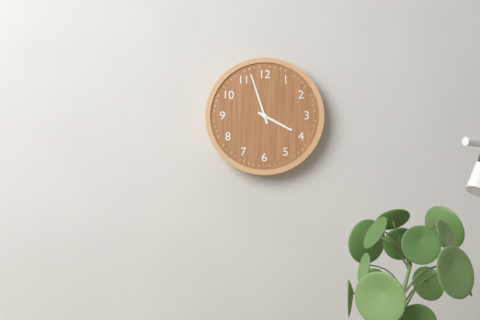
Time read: 3:57
